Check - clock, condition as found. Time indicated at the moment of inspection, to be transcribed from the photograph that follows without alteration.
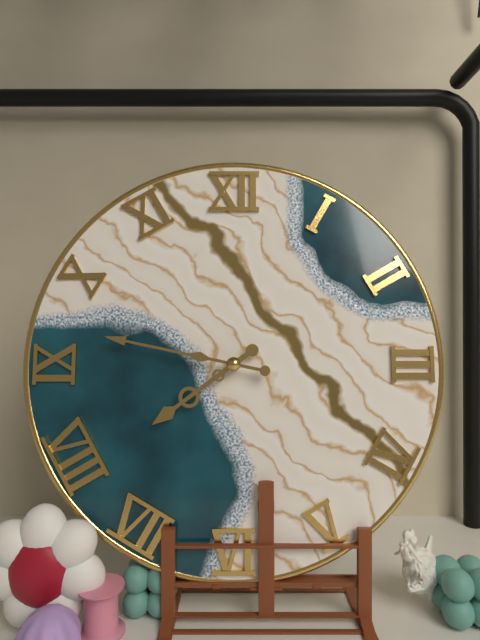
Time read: 7:47
